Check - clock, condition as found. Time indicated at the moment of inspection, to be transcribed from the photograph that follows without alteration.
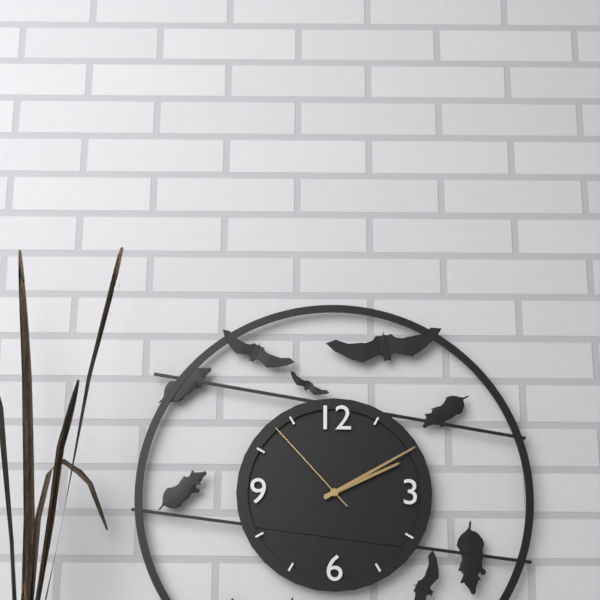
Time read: 2:10:53
